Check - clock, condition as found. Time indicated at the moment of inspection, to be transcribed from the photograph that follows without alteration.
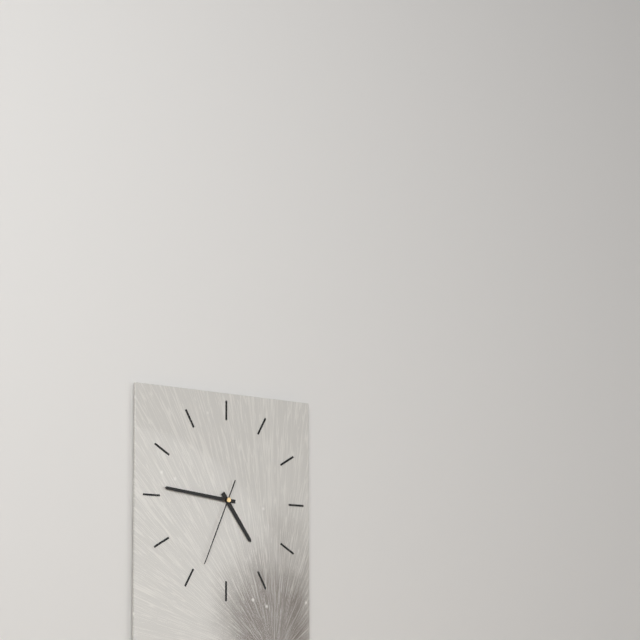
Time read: 4:46:34
